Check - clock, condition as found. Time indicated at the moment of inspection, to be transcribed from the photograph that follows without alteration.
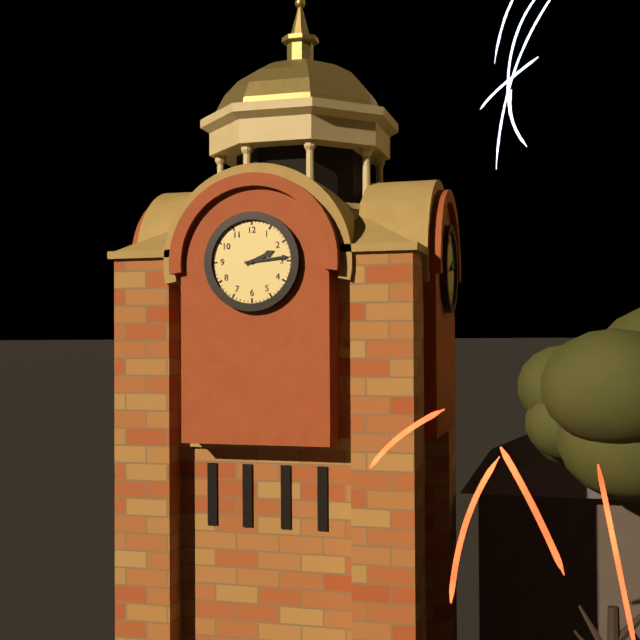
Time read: 2:14
